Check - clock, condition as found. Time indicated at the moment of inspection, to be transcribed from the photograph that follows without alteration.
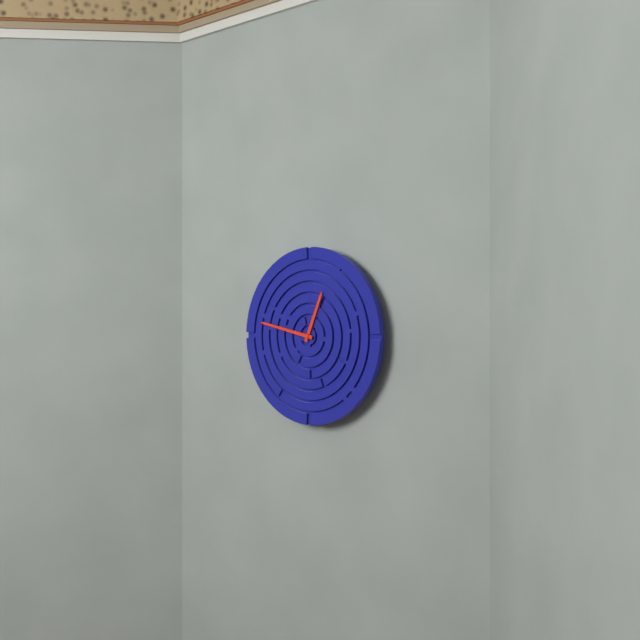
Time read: 12:47
